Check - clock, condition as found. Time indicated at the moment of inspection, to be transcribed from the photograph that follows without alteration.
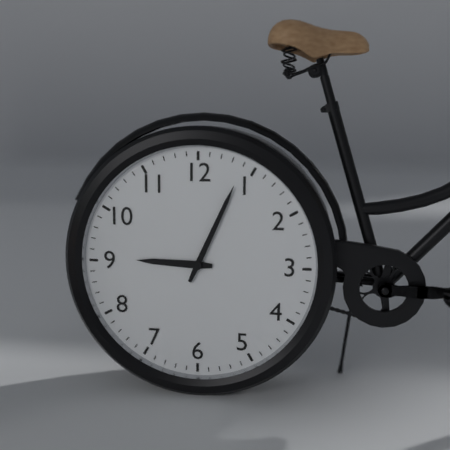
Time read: 9:04
